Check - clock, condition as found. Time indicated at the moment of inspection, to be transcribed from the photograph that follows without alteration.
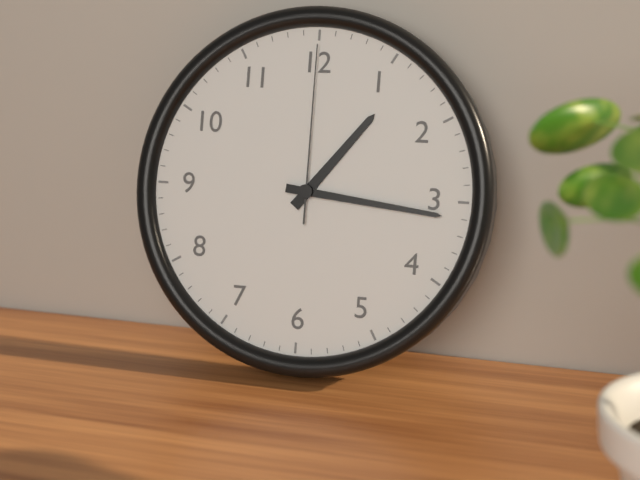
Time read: 1:16:00
